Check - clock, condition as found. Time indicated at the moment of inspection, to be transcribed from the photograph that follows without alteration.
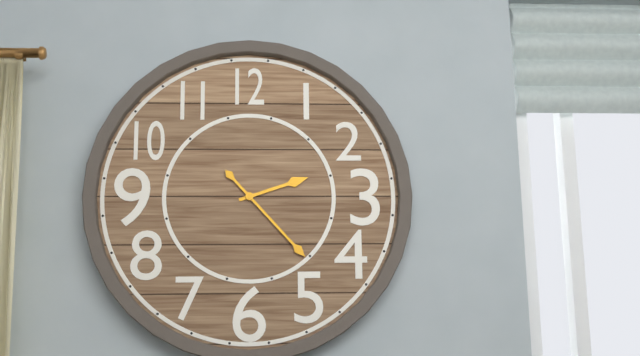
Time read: 2:23
